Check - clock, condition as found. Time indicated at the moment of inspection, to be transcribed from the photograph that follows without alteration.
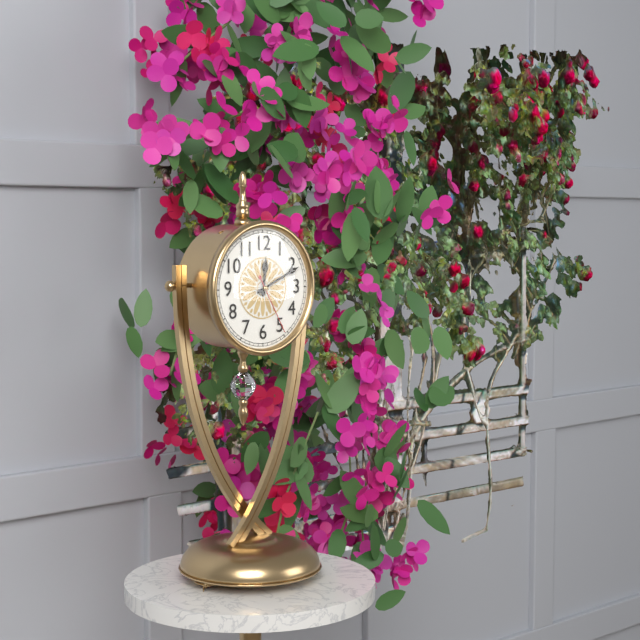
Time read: 12:11:25
